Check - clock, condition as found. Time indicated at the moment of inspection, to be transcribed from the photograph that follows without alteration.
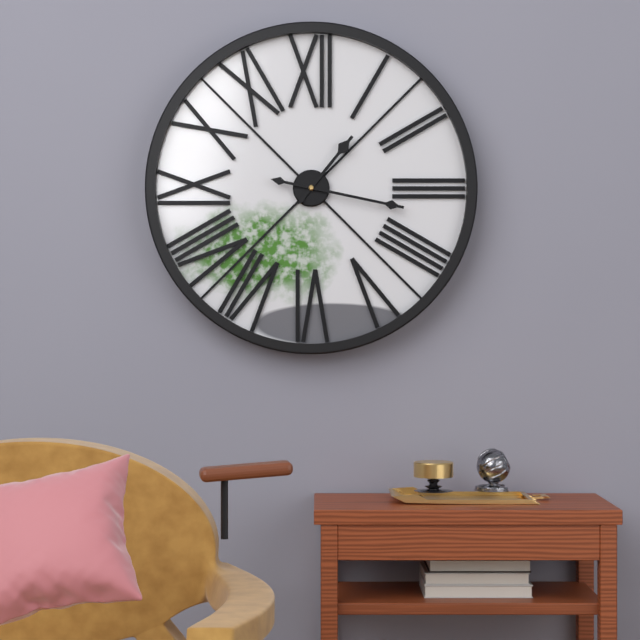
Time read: 1:17
